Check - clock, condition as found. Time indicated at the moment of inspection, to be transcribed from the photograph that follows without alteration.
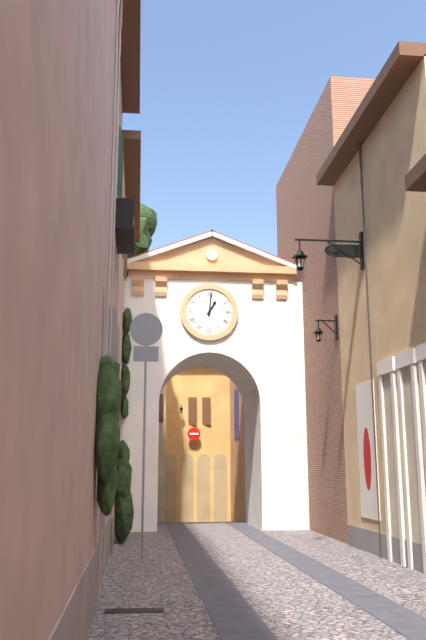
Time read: 1:01
